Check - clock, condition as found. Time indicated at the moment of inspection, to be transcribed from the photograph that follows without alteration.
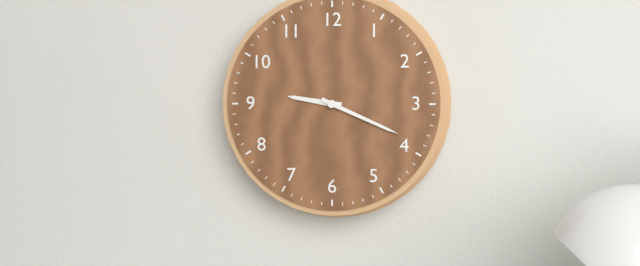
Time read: 9:19
